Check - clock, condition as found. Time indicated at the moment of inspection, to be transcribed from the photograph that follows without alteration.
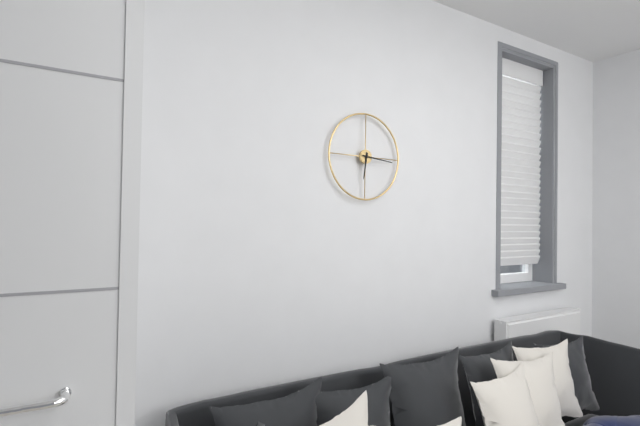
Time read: 6:16
